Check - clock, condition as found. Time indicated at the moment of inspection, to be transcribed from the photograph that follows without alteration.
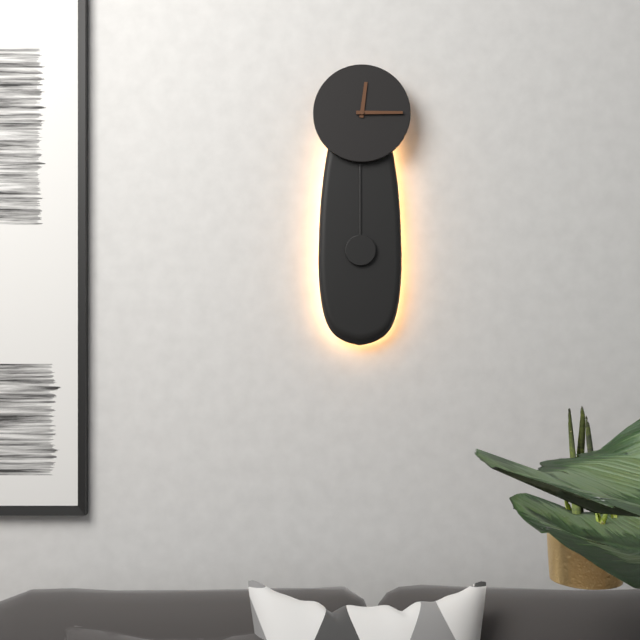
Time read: 12:15
